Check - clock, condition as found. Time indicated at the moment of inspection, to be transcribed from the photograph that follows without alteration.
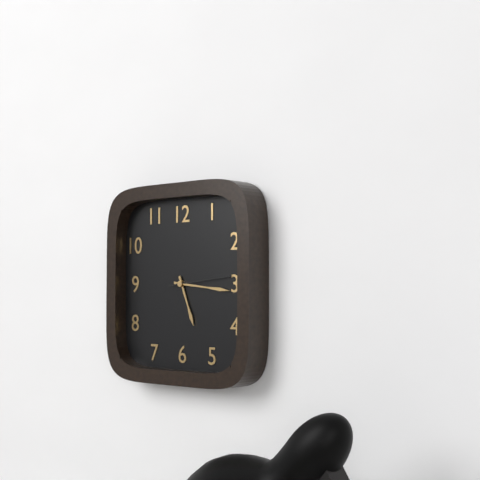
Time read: 5:16:14
